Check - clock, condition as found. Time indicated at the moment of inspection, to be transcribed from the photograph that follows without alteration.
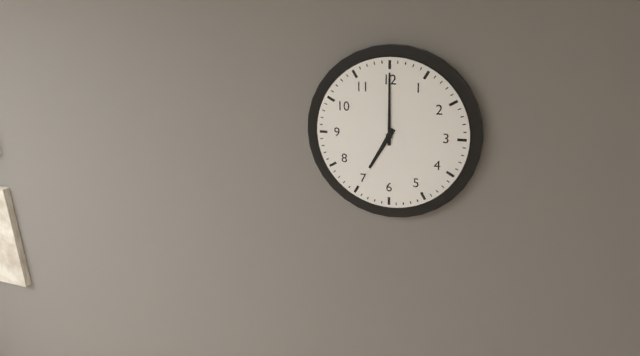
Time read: 7:00
